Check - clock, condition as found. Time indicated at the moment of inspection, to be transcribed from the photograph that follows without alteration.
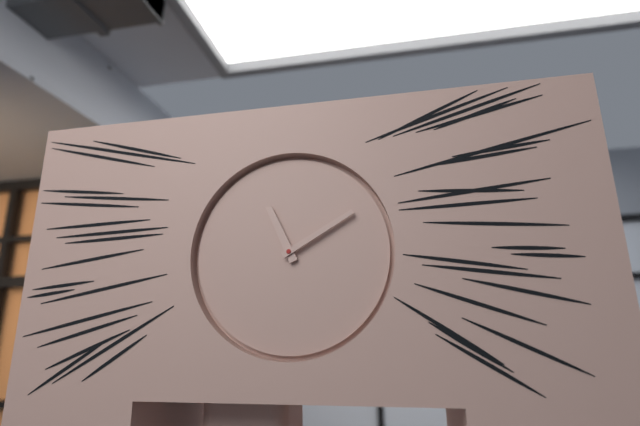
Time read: 11:10
